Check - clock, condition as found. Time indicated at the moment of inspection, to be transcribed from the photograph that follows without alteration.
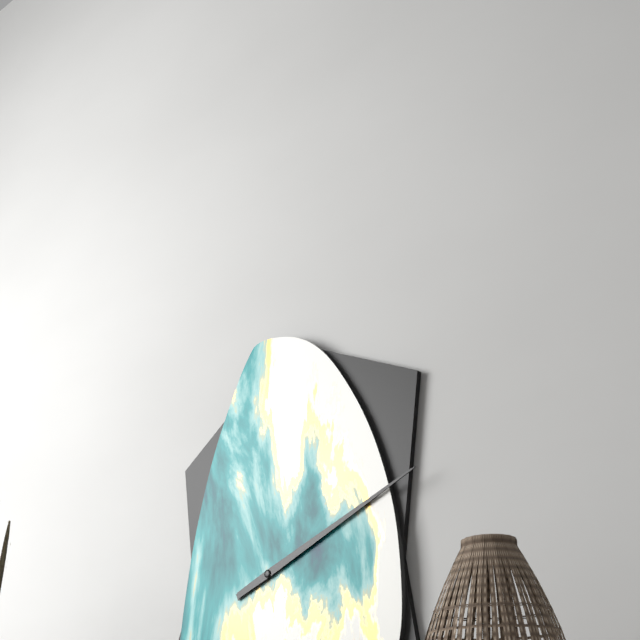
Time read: 2:11
